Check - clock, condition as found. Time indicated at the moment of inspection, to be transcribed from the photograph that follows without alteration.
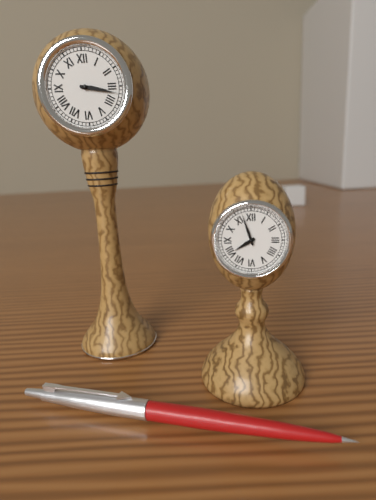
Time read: 3:17
